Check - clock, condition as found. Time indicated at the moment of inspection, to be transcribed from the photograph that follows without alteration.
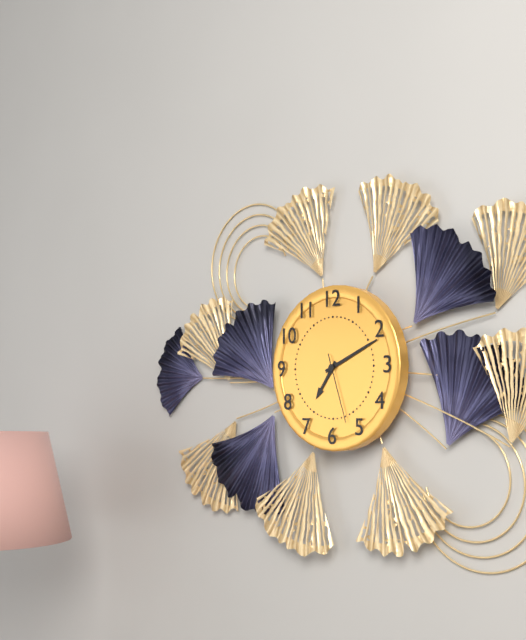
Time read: 7:11:27
